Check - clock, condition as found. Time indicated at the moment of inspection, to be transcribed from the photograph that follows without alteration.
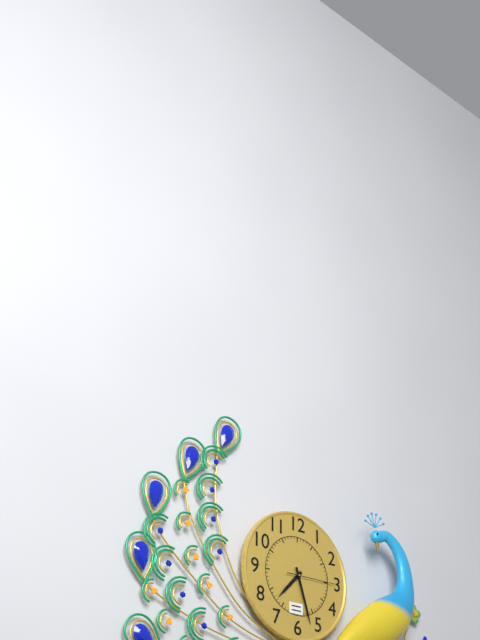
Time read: 7:27:15
